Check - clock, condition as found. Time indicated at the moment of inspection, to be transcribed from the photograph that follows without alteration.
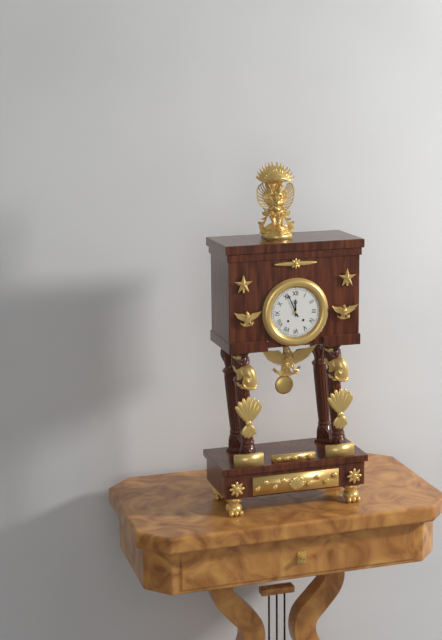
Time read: 11:56
